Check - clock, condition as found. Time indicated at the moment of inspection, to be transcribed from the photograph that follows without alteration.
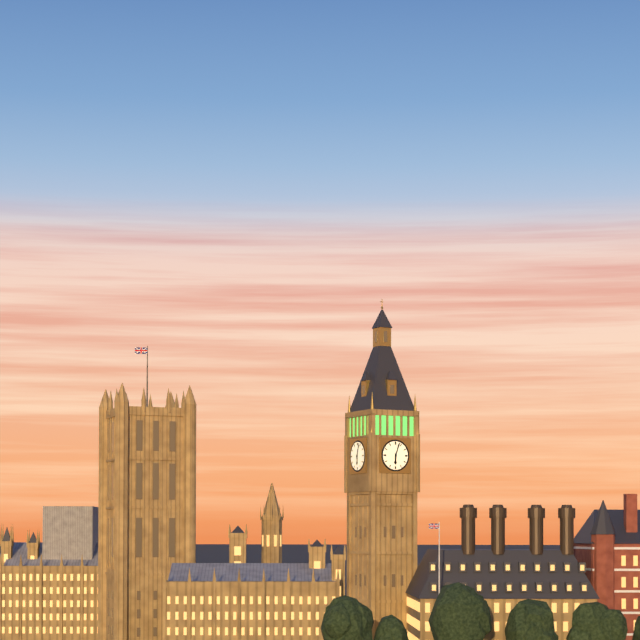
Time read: 6:03
